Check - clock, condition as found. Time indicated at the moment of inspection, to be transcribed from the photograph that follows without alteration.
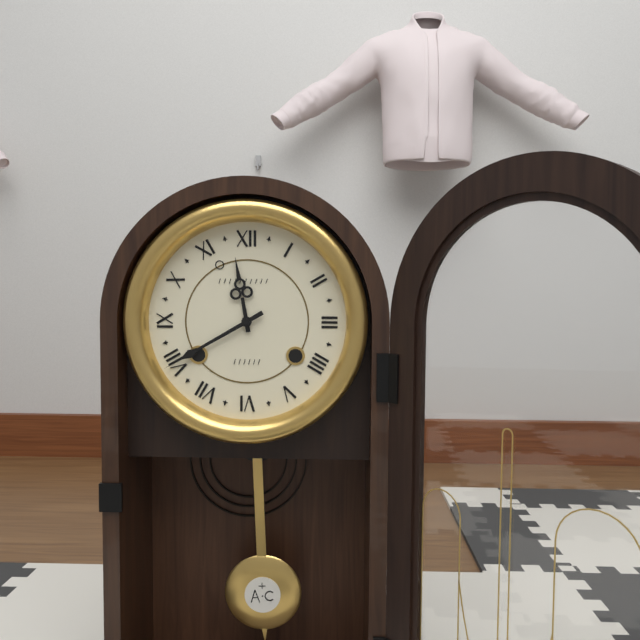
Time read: 11:40
